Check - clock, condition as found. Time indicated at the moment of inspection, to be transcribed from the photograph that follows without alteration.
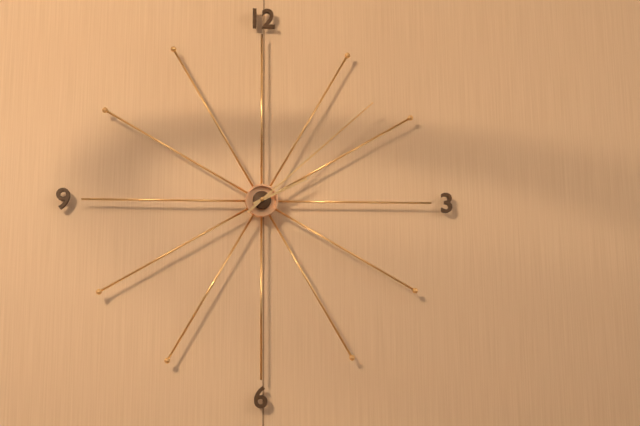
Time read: 2:08
